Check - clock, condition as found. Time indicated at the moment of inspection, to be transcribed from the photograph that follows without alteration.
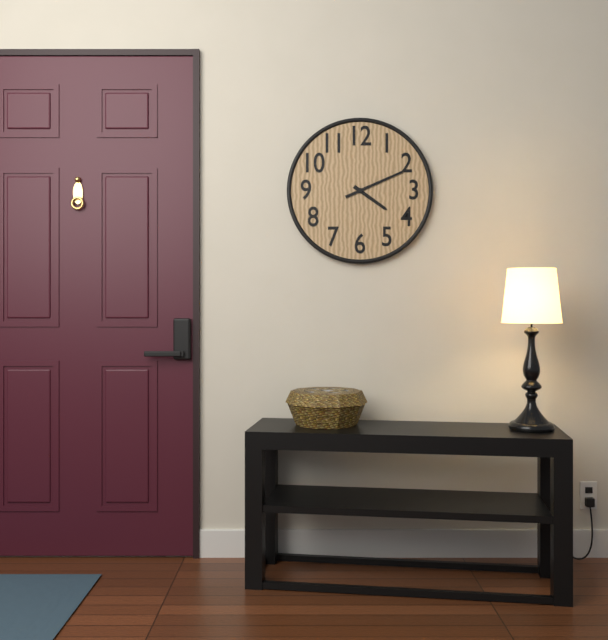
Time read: 4:11
